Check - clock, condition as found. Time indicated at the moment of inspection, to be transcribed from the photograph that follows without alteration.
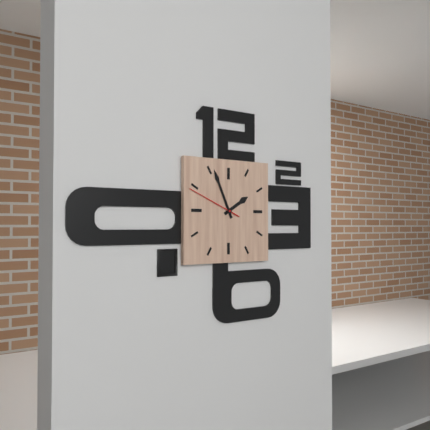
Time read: 1:56:49
